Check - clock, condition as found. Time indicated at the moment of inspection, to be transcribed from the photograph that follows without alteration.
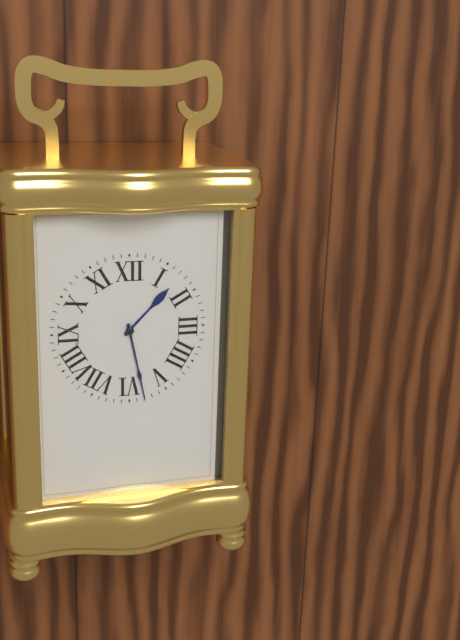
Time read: 1:28
